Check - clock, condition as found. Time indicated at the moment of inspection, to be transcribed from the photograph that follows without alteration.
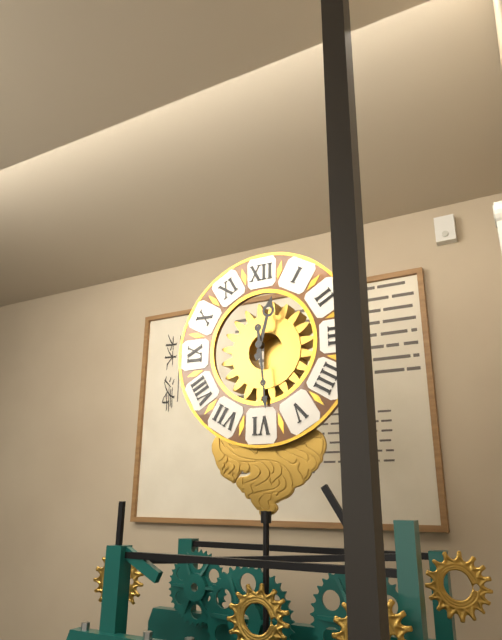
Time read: 12:29
